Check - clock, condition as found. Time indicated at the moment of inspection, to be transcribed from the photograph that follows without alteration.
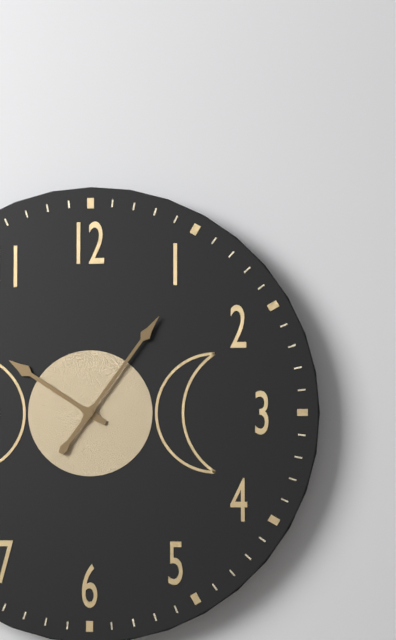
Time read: 10:06
